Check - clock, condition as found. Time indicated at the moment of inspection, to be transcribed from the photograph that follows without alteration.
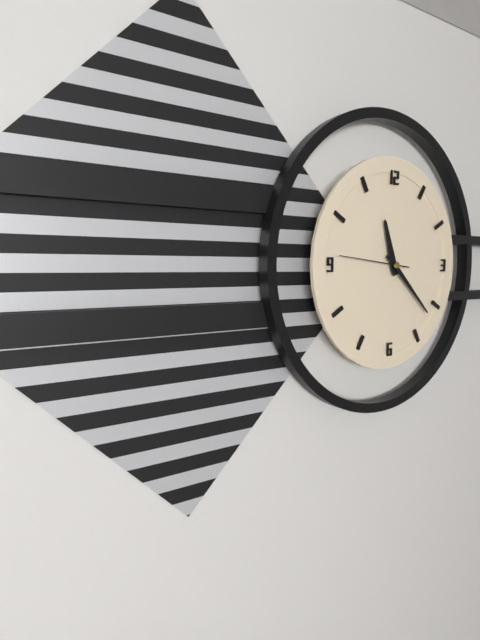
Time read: 11:22
